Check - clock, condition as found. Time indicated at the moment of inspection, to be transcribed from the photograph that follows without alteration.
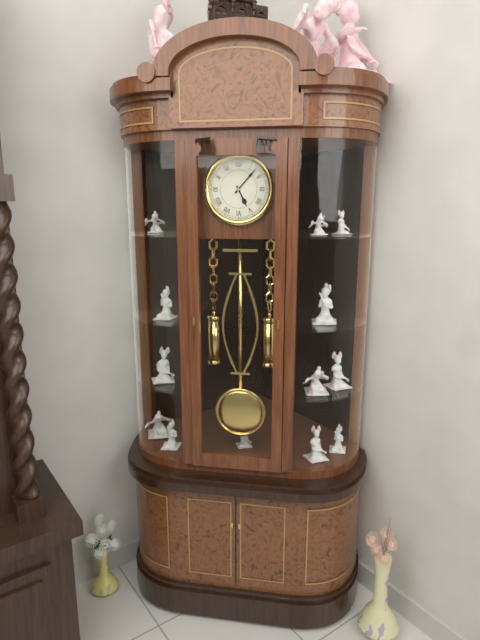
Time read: 5:07
